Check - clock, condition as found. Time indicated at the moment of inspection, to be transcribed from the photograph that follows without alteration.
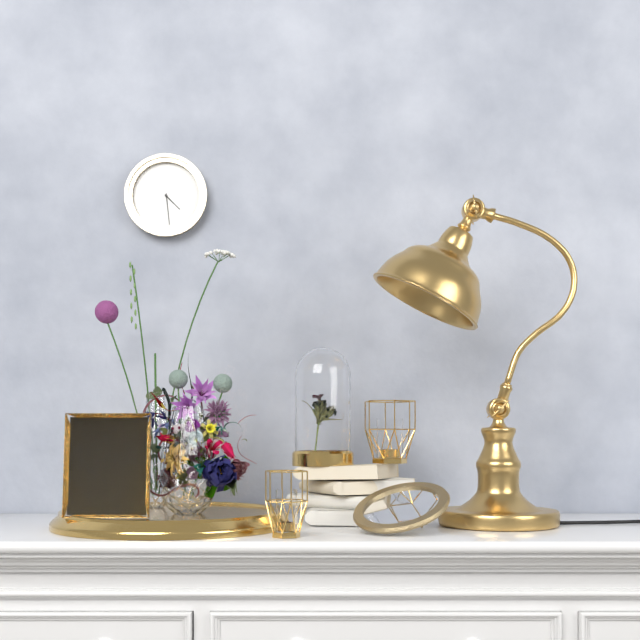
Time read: 4:29
